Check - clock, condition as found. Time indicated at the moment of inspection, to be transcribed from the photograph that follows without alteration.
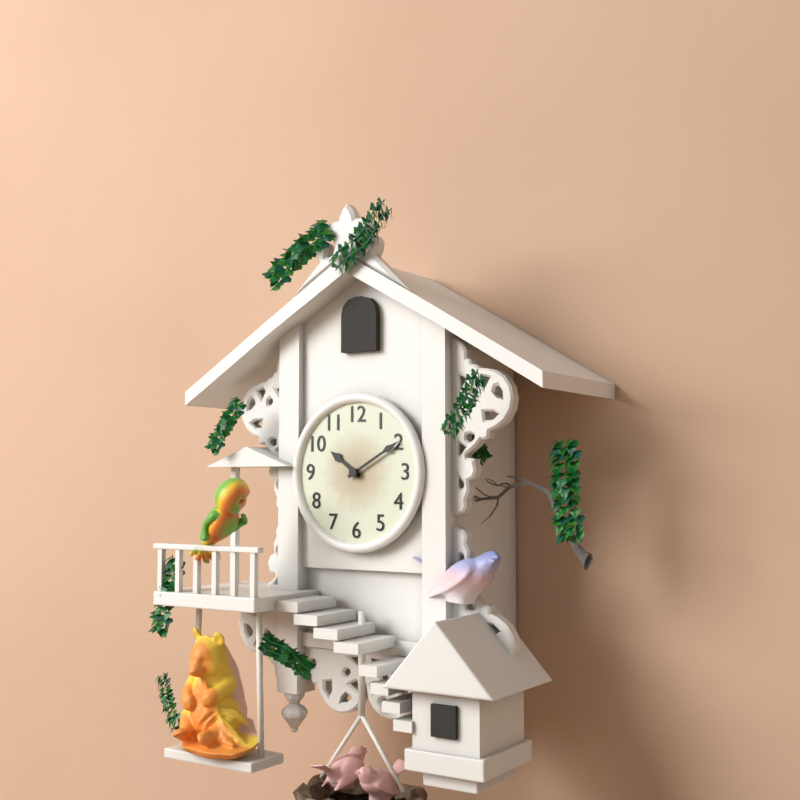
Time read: 10:10
